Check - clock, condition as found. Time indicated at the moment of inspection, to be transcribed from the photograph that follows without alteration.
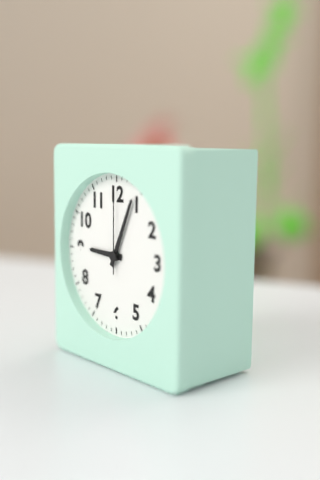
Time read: 9:04:00
